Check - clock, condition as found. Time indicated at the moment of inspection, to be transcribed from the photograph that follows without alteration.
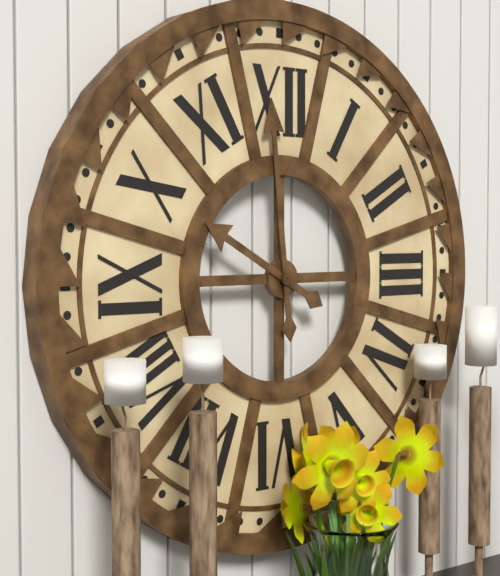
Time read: 9:59
